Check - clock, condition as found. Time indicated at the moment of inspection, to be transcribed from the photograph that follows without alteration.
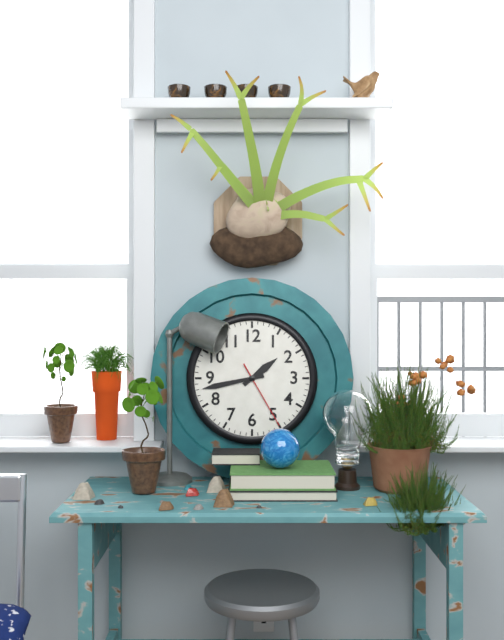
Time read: 1:43:25
